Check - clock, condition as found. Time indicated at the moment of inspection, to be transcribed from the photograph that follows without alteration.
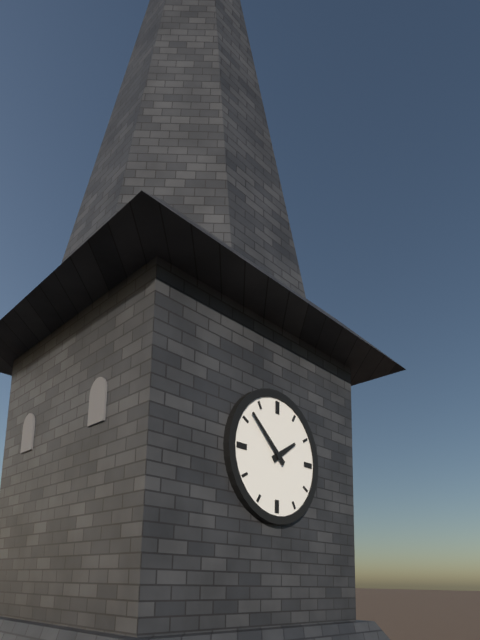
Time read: 1:52
